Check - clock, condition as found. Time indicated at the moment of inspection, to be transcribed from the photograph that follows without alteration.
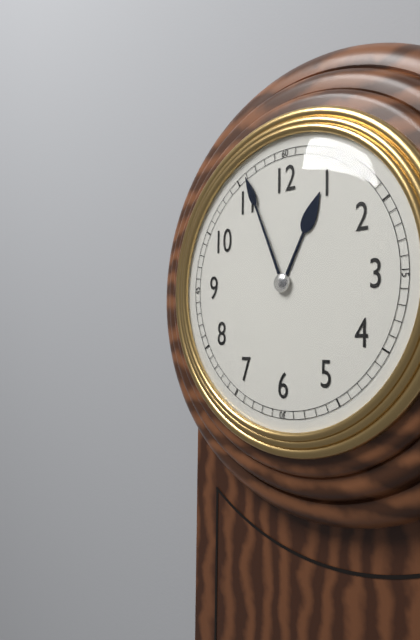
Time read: 12:56
